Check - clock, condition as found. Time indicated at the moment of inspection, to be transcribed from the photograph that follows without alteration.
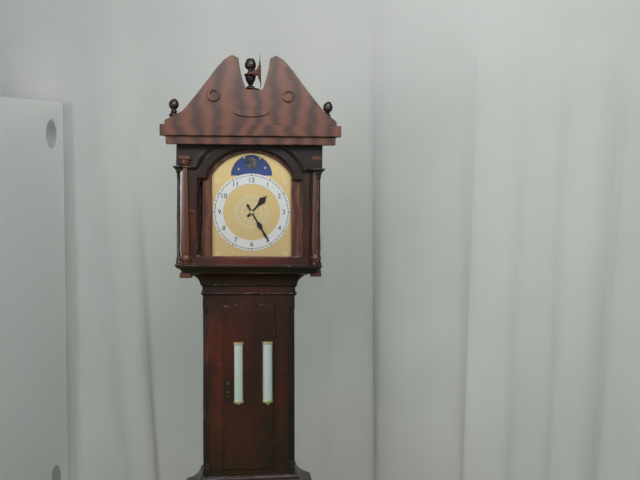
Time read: 1:25
